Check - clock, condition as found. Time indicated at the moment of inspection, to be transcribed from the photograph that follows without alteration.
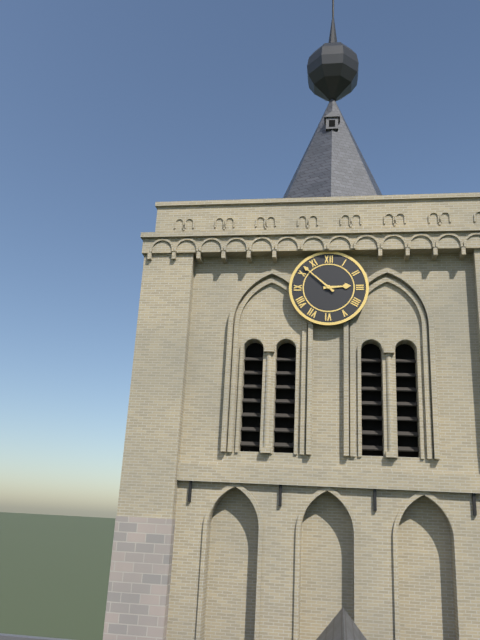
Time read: 2:52
